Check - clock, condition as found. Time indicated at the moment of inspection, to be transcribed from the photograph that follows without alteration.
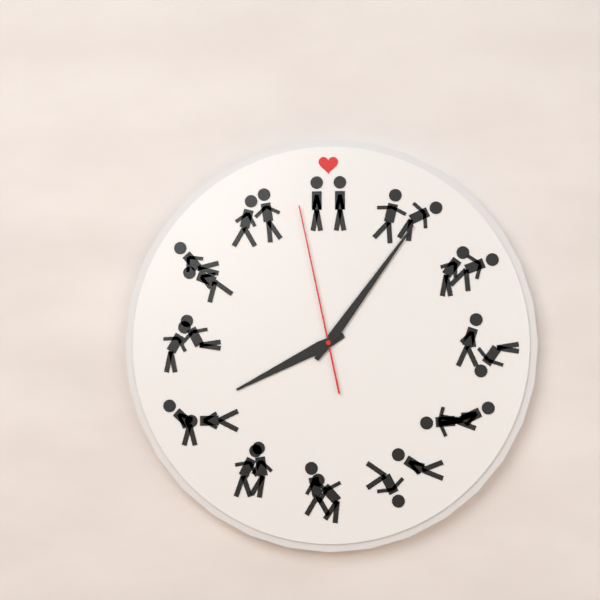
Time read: 8:06:58
